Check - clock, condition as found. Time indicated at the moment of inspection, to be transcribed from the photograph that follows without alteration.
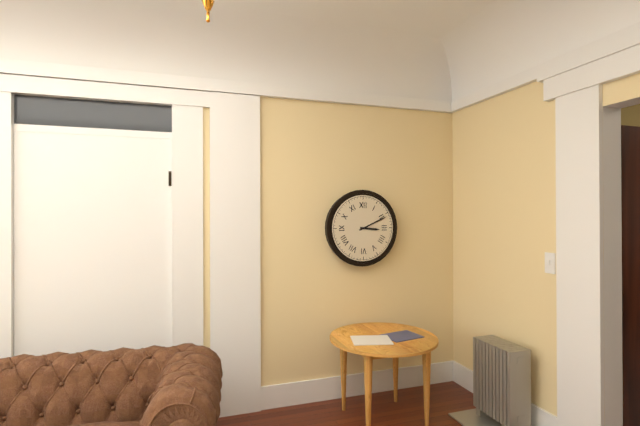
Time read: 3:11
